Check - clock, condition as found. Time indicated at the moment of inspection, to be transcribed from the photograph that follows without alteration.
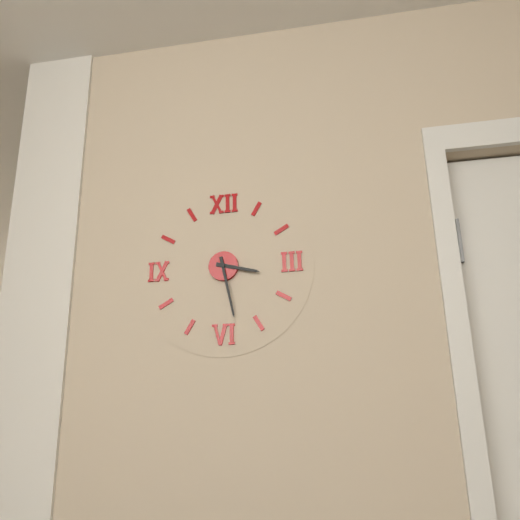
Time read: 3:28
